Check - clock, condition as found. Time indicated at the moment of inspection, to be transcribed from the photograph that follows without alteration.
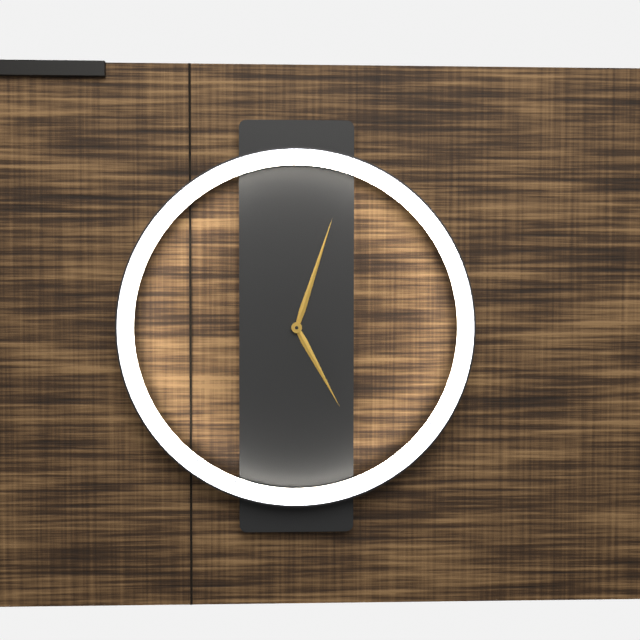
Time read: 5:03
